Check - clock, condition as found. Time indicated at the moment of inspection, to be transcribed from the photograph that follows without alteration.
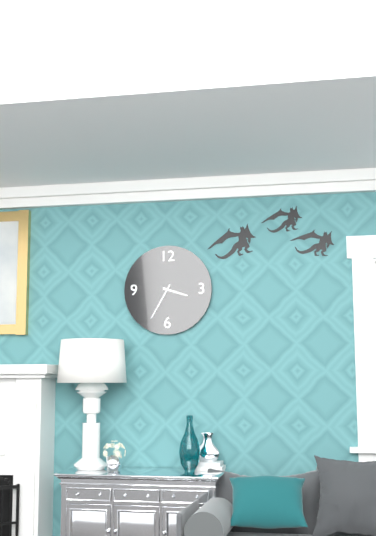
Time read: 3:35
